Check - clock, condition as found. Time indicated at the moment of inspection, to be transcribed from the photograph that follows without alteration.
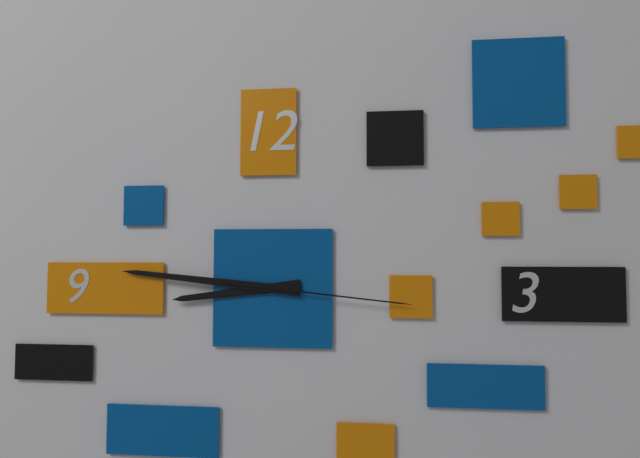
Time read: 8:46:16
